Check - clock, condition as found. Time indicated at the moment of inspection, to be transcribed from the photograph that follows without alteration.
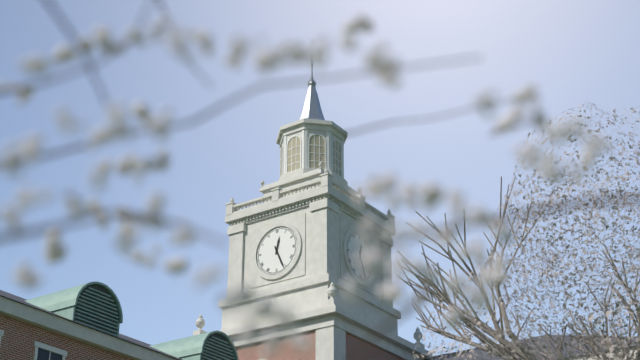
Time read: 12:26
